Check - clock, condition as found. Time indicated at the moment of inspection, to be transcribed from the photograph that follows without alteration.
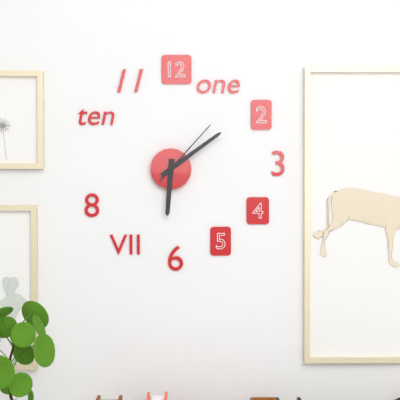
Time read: 6:09:07
